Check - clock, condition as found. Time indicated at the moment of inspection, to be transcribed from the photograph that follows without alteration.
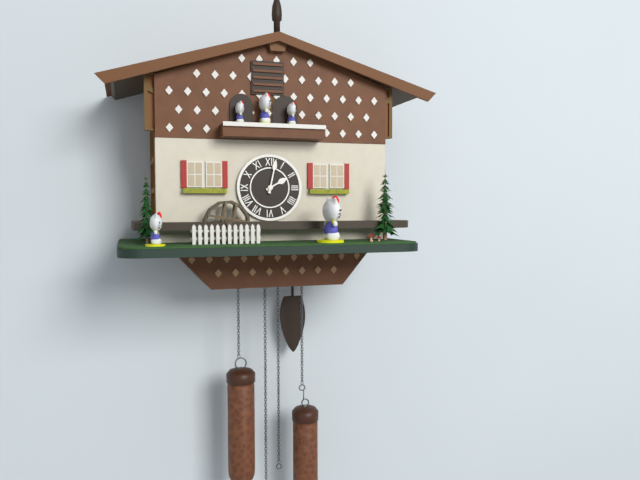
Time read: 2:02
